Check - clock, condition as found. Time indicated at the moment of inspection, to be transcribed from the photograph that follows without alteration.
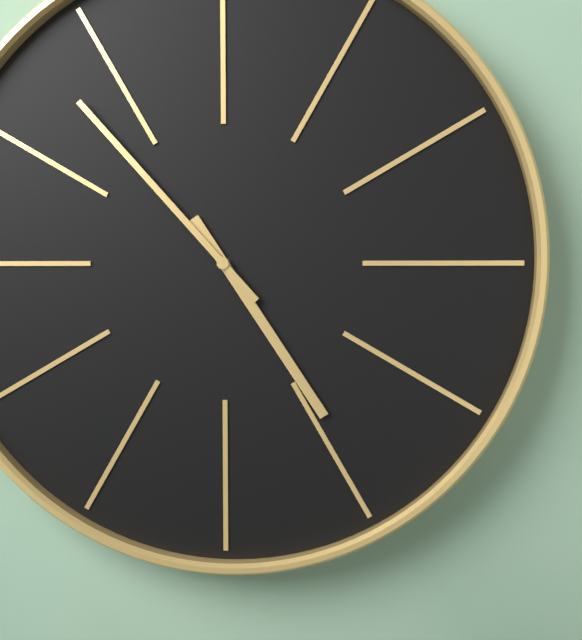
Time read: 4:53
